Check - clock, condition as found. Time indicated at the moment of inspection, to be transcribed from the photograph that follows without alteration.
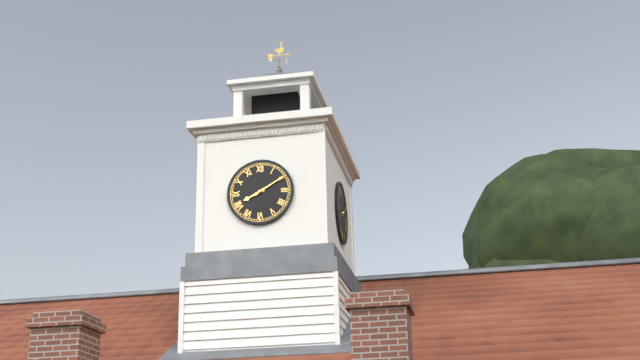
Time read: 8:10
